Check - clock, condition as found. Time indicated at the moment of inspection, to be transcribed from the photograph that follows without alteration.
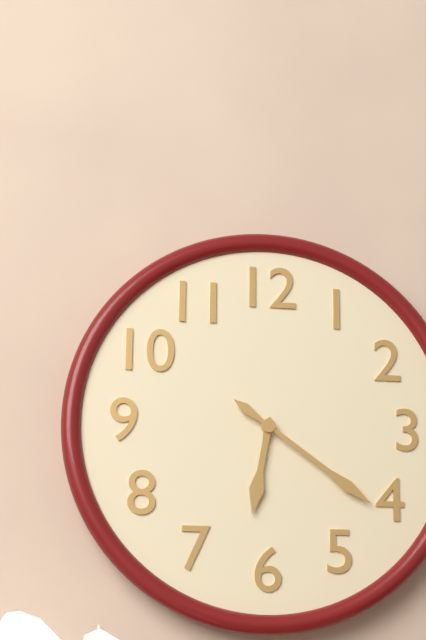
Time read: 6:21
